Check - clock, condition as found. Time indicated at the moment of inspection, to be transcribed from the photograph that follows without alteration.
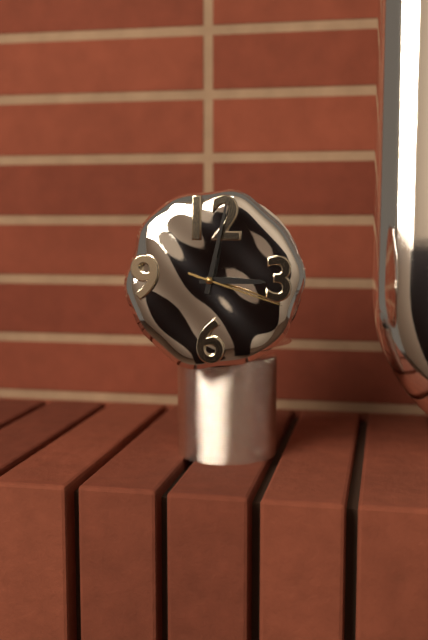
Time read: 3:02:18
